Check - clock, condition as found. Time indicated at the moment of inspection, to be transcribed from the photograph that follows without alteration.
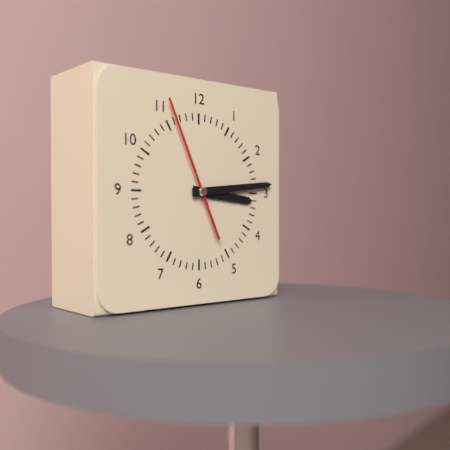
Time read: 3:14:56
